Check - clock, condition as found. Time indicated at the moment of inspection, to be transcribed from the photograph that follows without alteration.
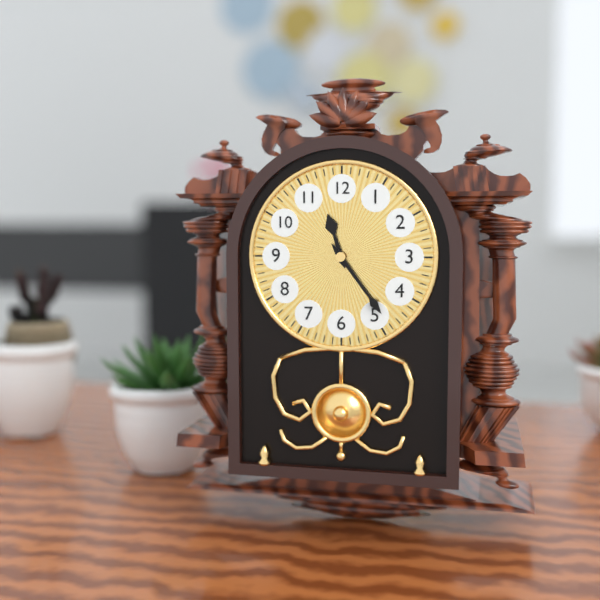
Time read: 11:24
